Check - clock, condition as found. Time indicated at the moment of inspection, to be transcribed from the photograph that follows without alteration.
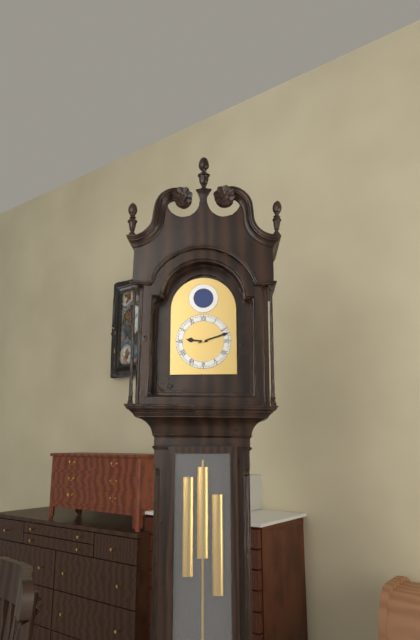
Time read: 9:12
